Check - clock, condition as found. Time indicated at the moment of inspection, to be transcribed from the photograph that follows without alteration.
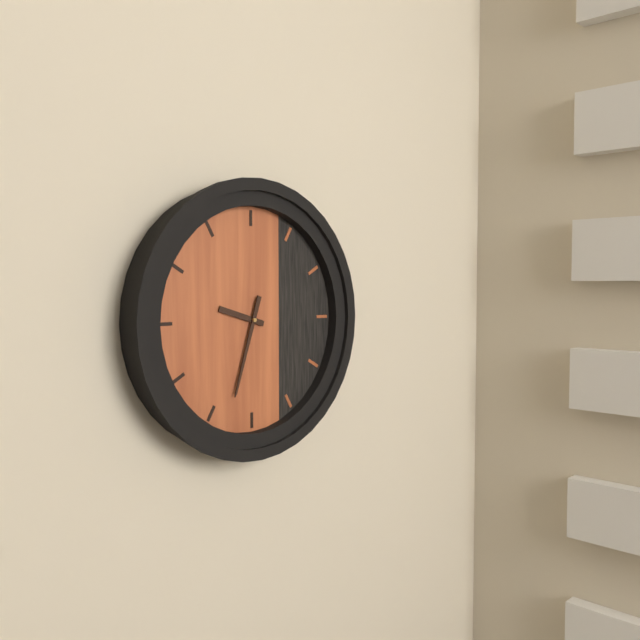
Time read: 9:33
